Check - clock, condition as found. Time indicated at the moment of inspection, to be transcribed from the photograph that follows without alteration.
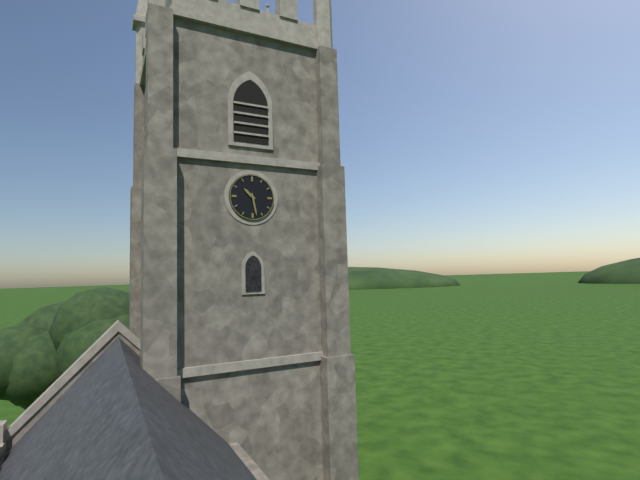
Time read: 10:28
